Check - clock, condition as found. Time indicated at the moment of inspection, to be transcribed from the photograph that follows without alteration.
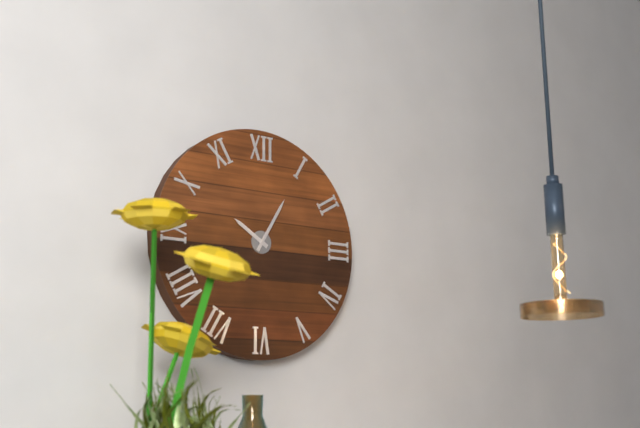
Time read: 10:05
